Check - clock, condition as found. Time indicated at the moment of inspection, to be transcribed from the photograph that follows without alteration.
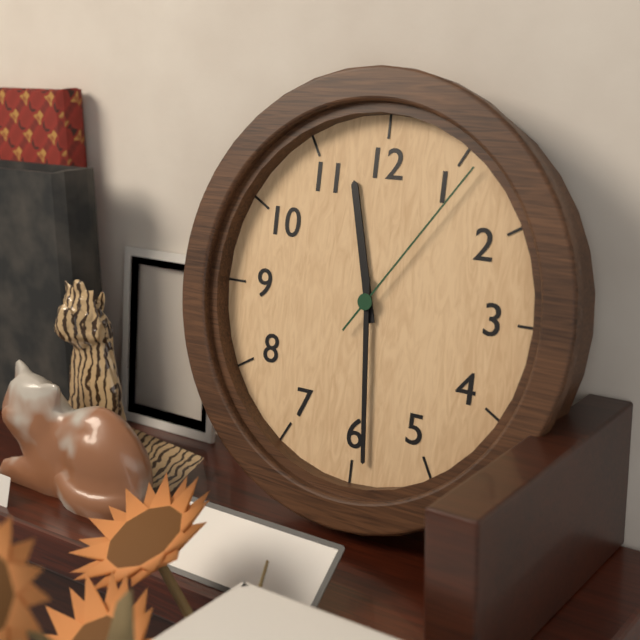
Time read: 11:29:06
